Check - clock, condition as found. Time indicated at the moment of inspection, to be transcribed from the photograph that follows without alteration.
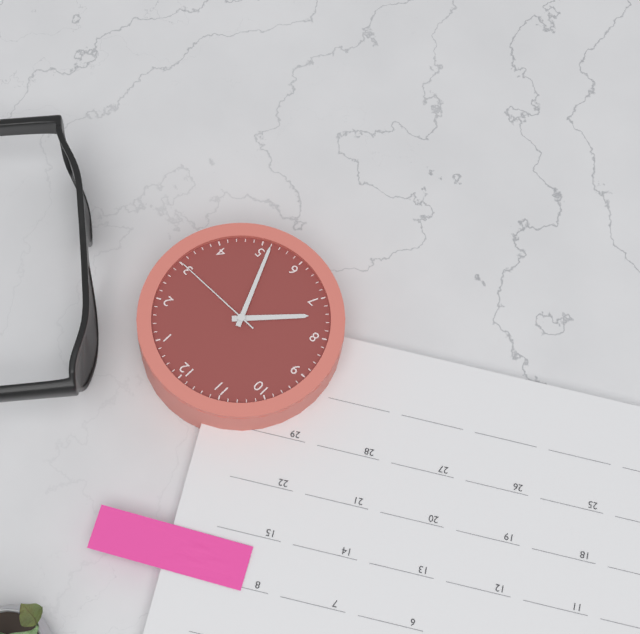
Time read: 7:26:15
